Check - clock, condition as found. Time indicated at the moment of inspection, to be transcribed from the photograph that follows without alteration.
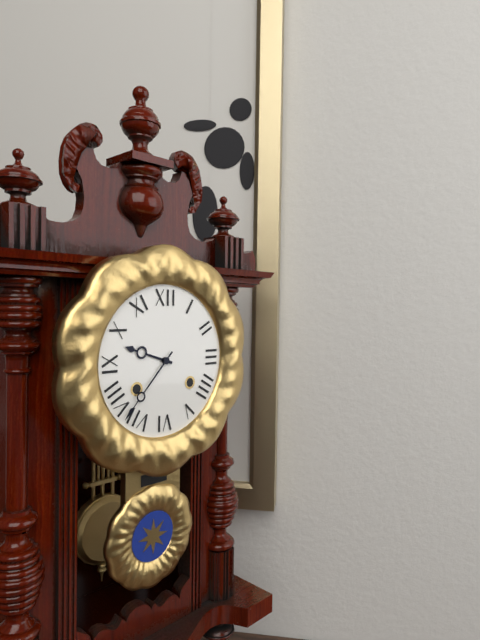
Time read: 9:37
